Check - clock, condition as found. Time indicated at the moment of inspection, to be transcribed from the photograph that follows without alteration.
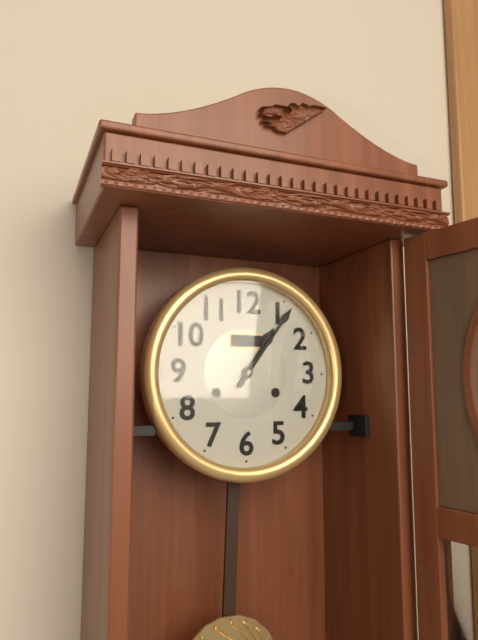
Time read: 1:06
